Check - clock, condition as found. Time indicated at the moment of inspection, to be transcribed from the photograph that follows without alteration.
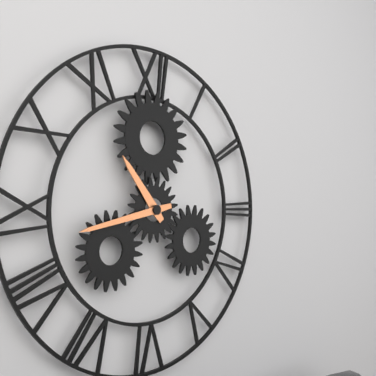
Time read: 10:43
